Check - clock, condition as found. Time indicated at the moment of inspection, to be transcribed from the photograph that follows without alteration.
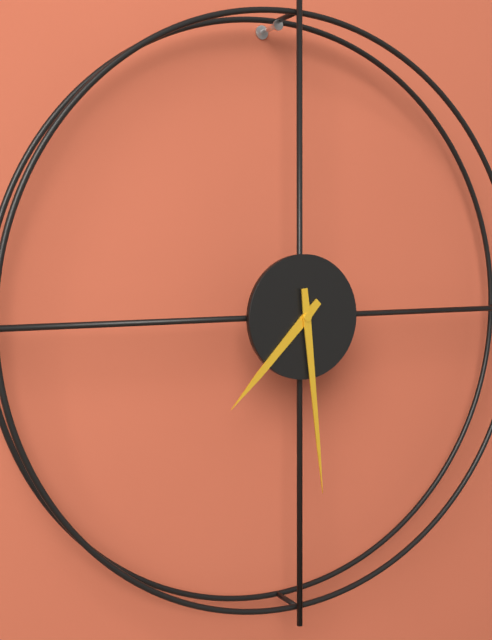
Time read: 7:29
